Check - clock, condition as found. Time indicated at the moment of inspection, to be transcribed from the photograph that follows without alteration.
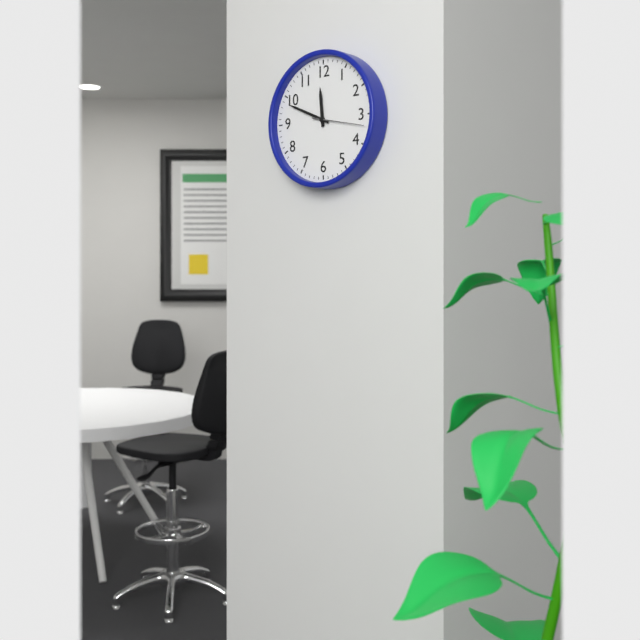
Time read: 11:49
